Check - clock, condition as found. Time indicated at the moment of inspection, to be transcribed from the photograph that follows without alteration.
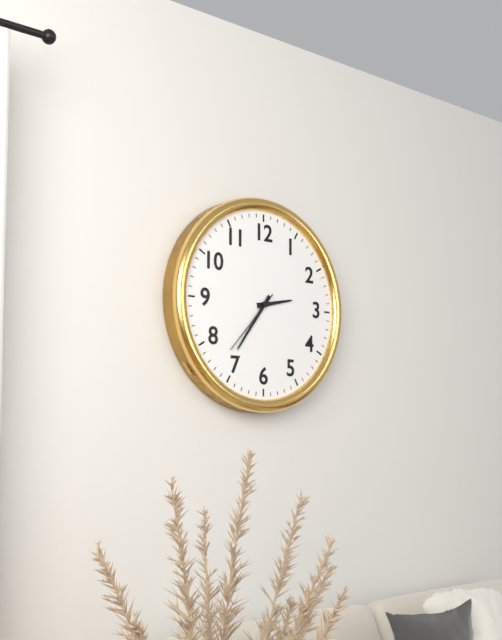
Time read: 2:36:37
